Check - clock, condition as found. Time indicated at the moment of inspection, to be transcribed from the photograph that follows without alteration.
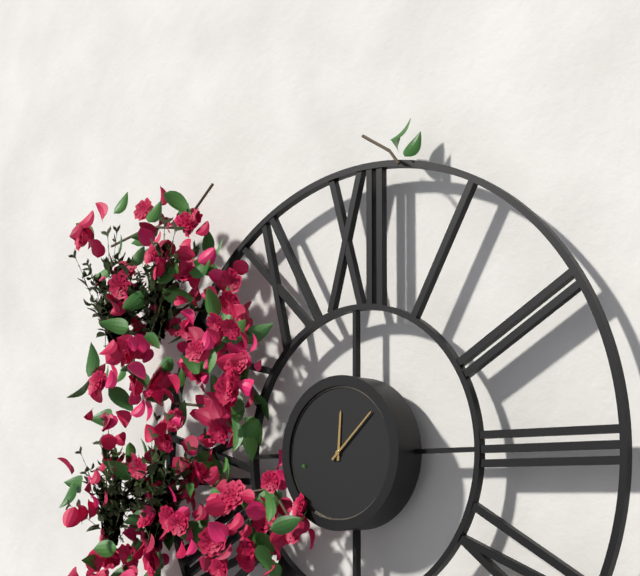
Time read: 12:08
